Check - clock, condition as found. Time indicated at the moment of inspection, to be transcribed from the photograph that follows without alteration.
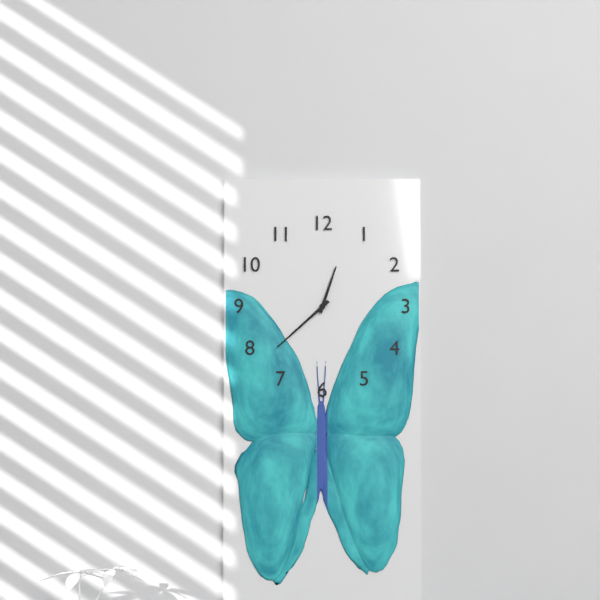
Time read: 12:38
